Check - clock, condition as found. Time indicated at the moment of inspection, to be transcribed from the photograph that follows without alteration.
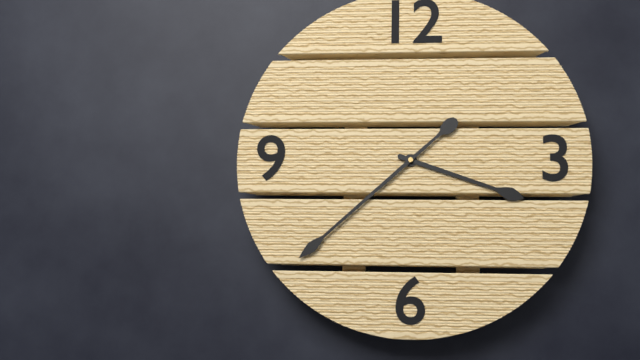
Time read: 3:38
